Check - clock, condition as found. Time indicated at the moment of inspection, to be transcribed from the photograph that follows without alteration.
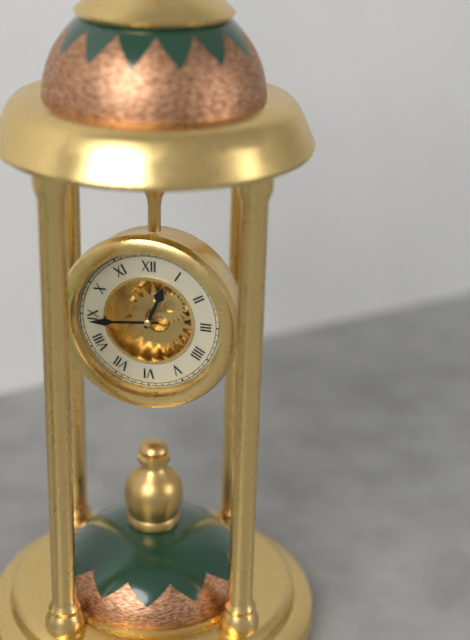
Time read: 12:44
